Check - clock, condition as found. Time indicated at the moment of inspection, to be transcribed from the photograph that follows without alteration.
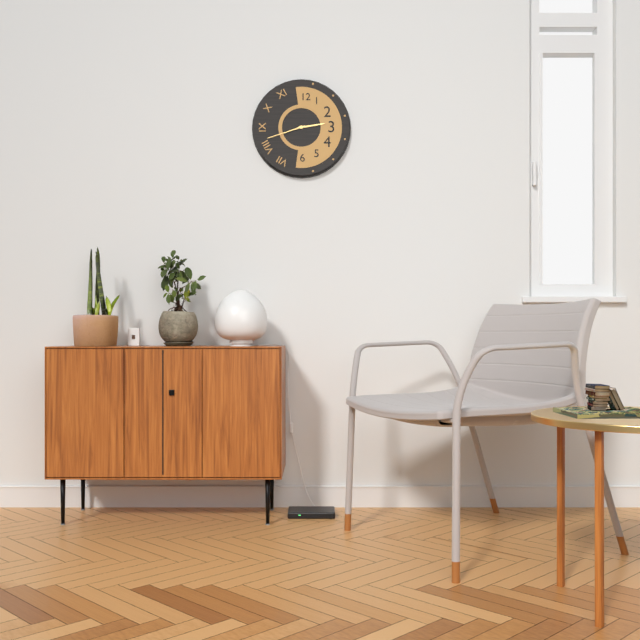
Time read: 2:42
